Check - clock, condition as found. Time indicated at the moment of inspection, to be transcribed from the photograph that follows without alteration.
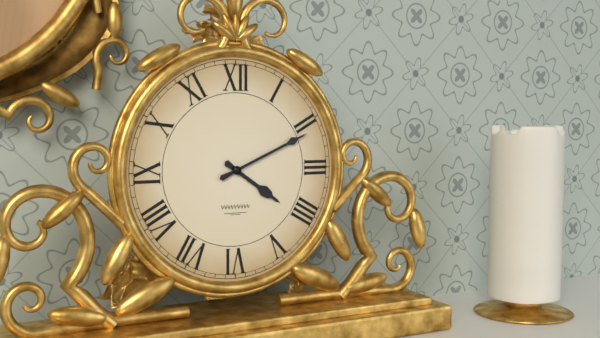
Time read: 4:11
